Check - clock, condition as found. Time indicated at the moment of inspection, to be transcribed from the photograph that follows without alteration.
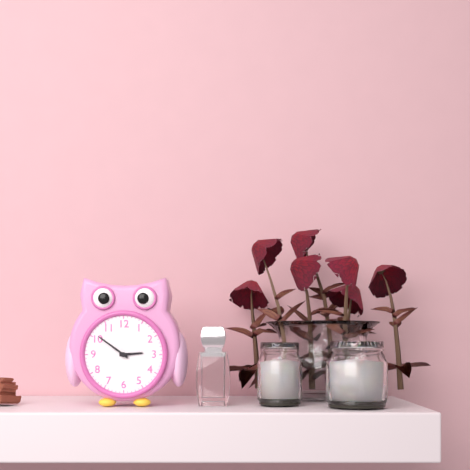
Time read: 2:51
